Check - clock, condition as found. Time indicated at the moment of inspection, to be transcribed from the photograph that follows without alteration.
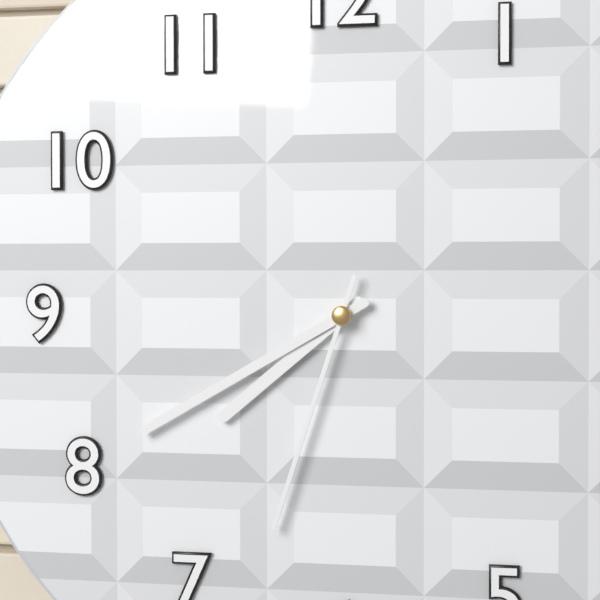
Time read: 7:40:33
